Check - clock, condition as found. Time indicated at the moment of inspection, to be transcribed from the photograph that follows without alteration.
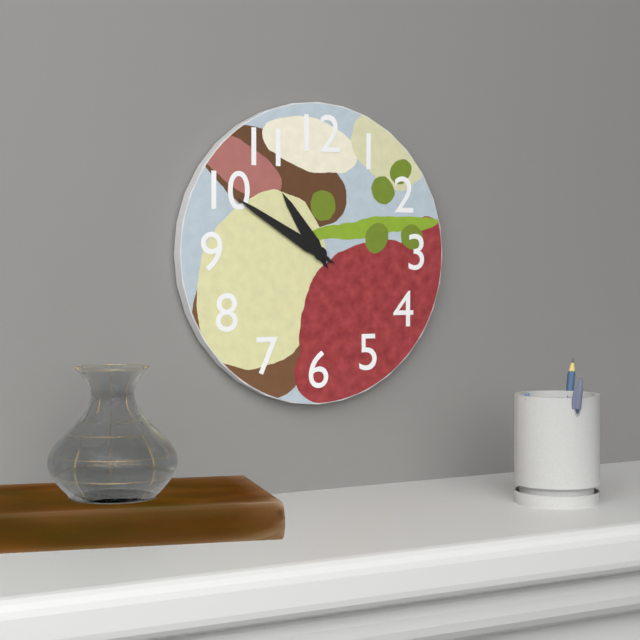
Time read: 10:50
